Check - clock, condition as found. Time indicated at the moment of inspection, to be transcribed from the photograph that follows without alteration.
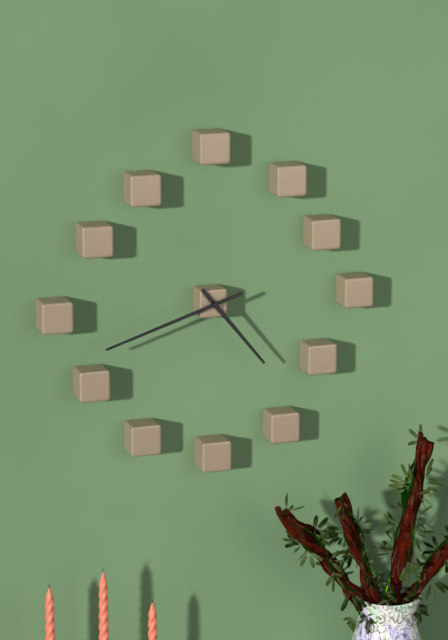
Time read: 4:42
